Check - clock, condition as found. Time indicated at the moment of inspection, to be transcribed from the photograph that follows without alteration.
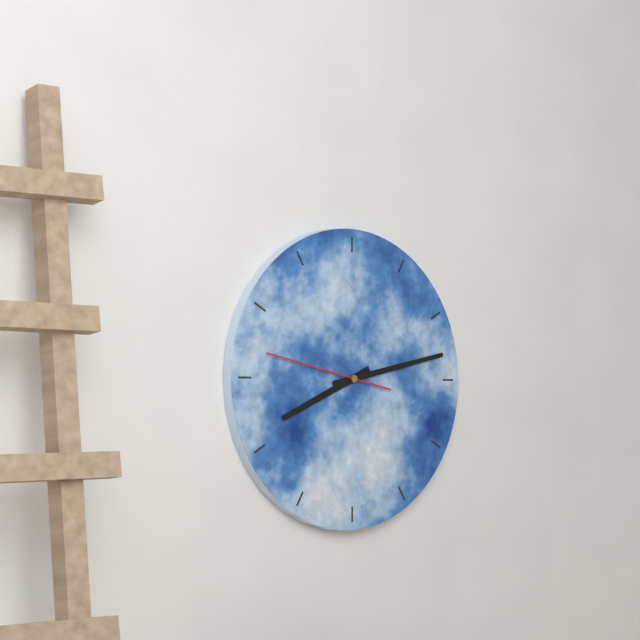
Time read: 8:13:47
